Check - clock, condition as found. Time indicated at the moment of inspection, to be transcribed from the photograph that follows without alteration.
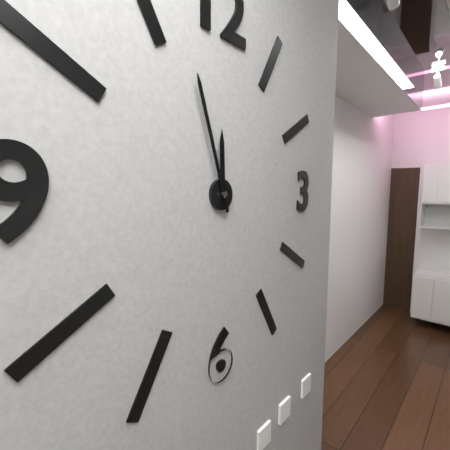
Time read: 11:57
